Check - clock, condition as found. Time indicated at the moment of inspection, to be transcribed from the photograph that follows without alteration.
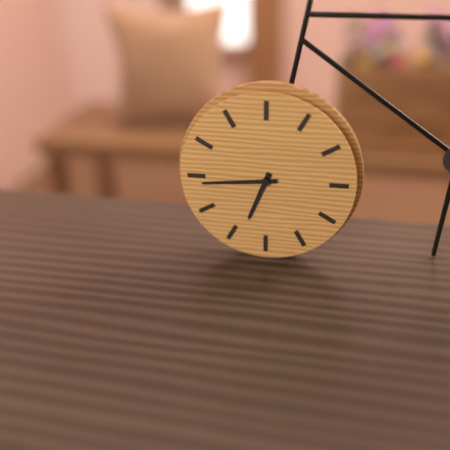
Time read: 6:44
